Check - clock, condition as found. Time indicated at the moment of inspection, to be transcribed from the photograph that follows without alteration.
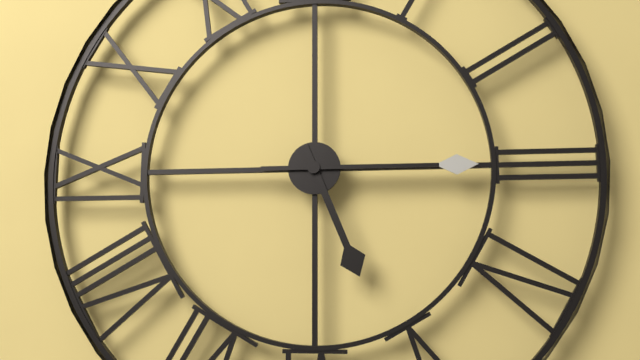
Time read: 5:15
